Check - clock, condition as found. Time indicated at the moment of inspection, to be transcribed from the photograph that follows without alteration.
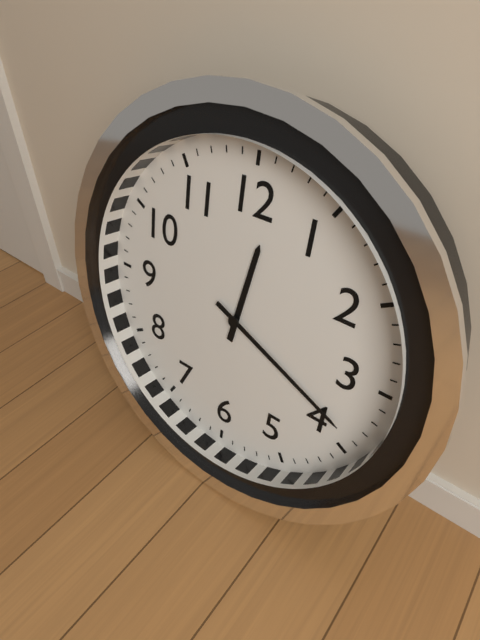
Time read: 12:19
